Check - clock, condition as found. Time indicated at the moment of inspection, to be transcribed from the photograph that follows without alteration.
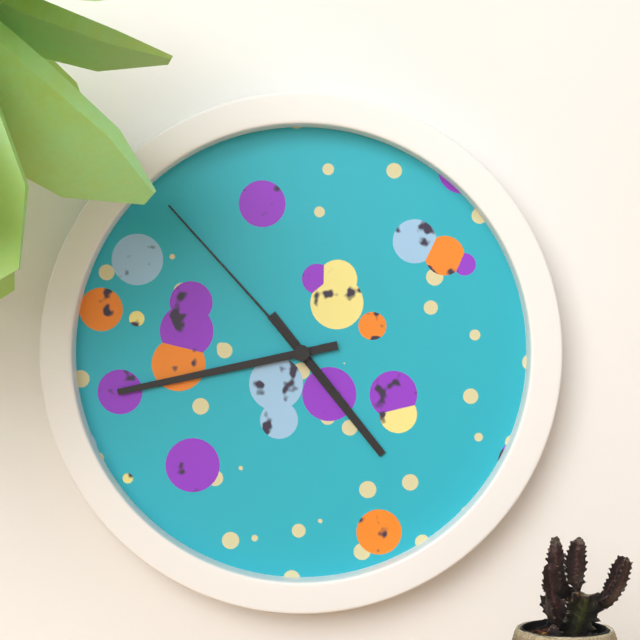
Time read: 4:43:53
